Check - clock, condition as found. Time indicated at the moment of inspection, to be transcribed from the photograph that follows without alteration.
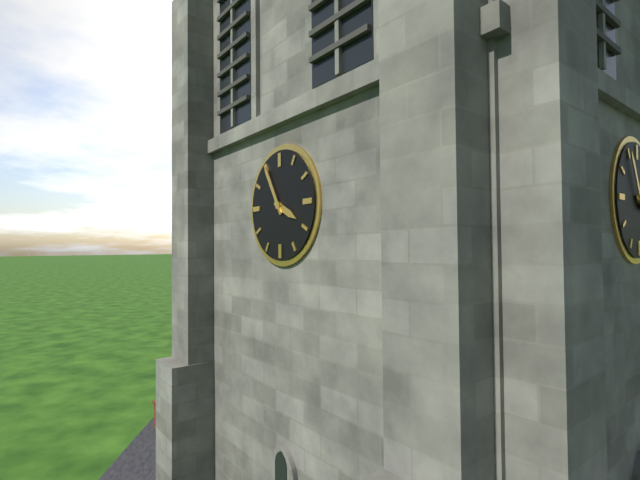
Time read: 3:55
